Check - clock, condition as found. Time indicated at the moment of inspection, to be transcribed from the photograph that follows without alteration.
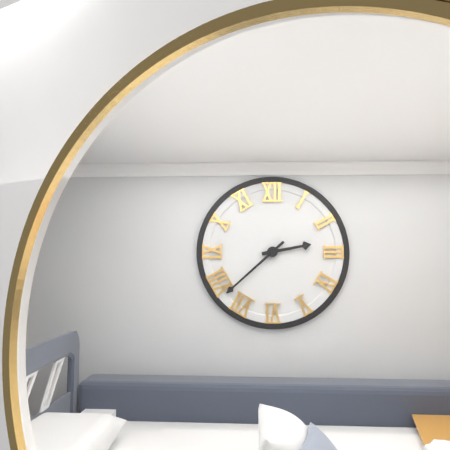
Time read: 2:38
